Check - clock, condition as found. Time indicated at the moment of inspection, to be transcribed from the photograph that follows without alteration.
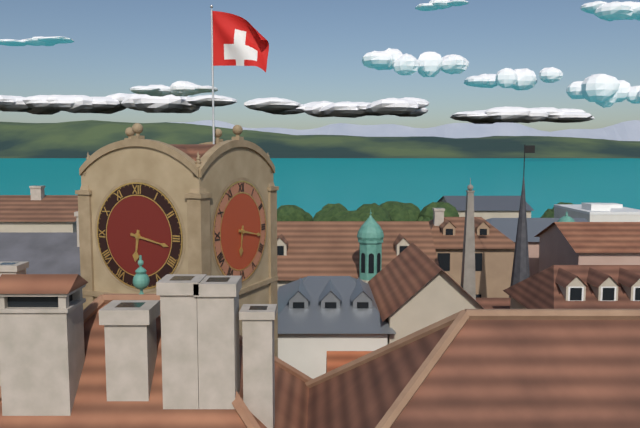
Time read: 6:17
